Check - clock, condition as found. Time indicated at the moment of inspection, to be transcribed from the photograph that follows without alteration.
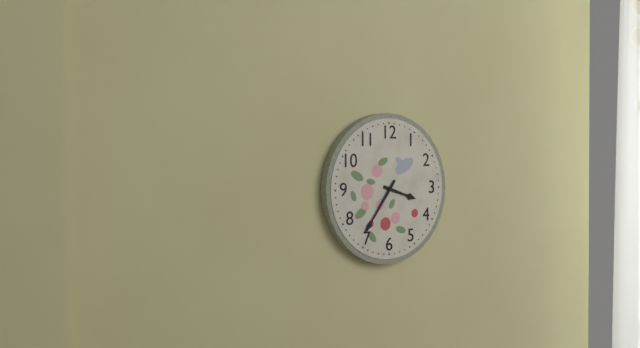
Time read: 3:36
